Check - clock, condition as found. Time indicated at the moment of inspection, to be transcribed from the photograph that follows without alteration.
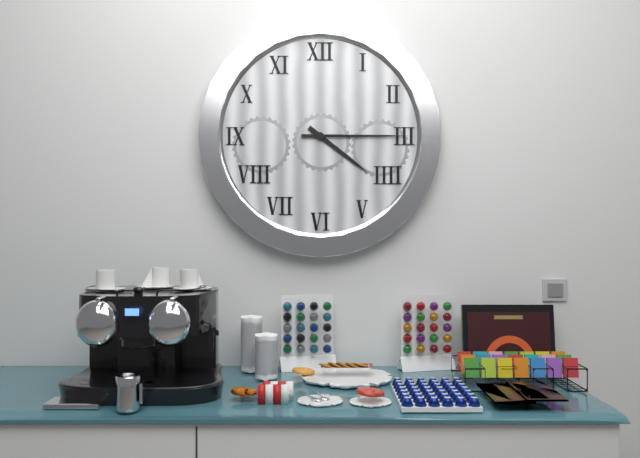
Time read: 4:15
